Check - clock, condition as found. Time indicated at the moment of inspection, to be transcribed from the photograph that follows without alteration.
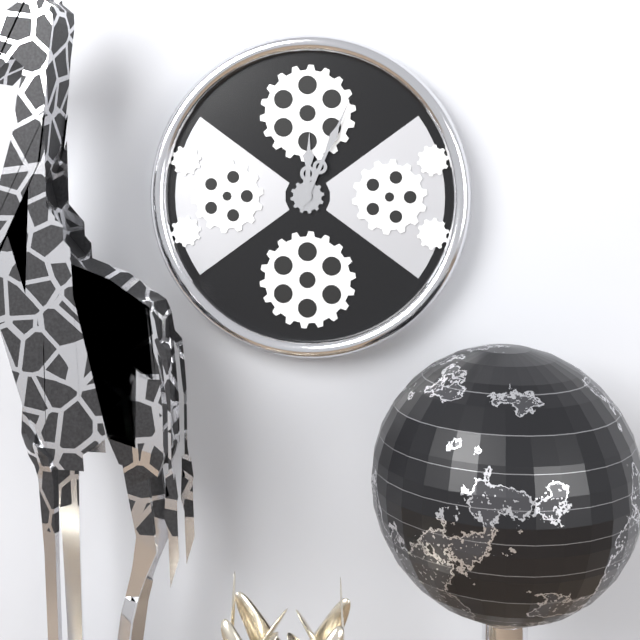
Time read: 12:04
